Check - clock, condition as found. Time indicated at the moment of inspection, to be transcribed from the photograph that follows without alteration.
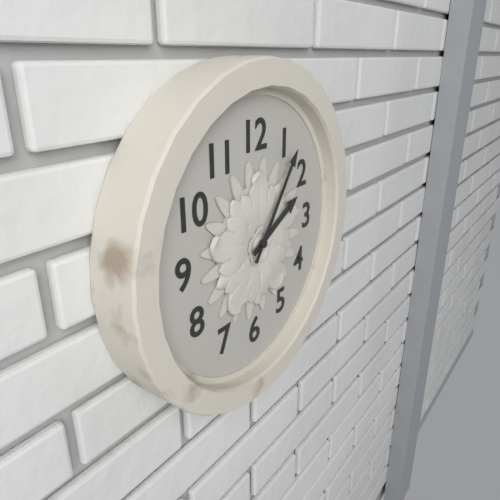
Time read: 2:06
